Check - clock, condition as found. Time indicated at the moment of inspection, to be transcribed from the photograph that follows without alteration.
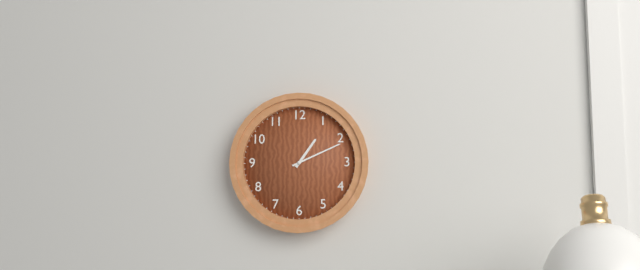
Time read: 1:11
